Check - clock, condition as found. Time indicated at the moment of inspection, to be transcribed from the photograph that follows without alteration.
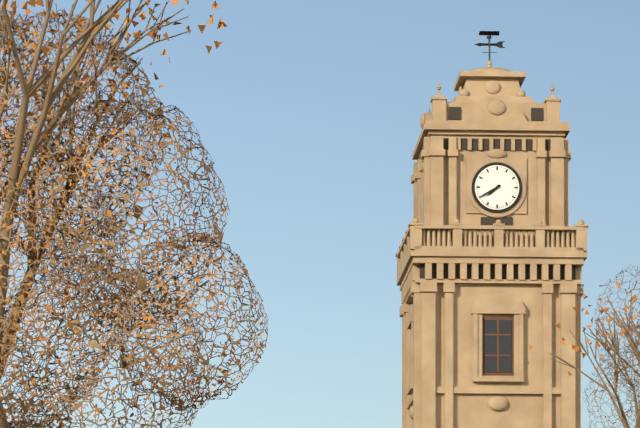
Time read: 7:40
